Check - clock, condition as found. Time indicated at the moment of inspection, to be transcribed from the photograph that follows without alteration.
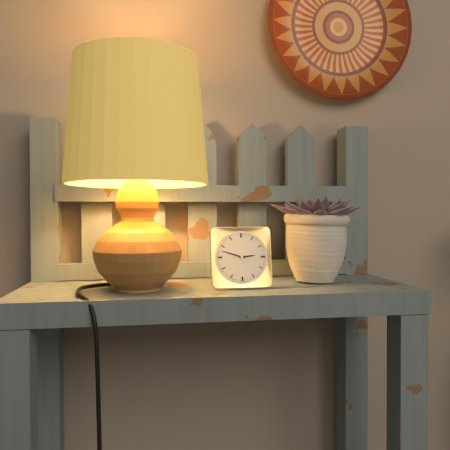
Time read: 2:48
